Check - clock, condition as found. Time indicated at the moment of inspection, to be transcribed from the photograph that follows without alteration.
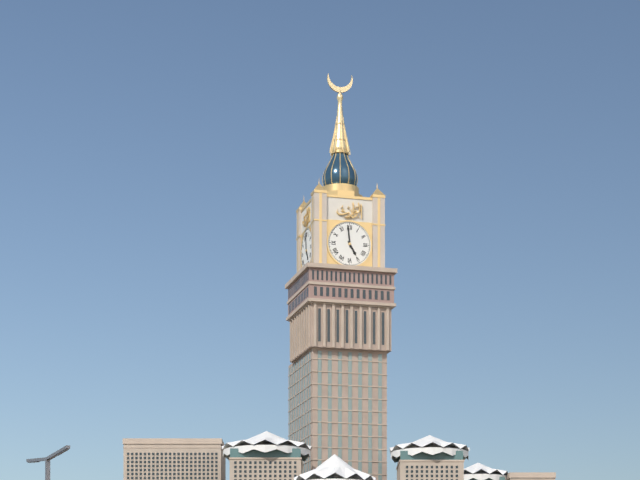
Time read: 4:59
